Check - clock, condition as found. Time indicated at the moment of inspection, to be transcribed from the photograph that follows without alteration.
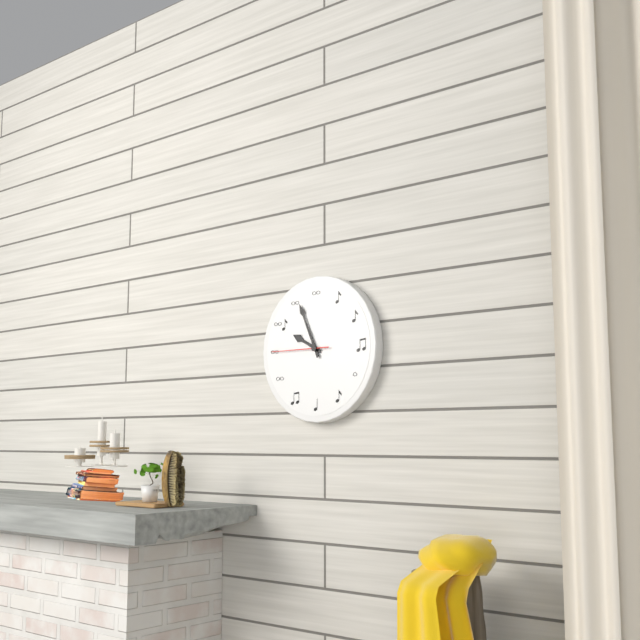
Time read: 9:56:45
